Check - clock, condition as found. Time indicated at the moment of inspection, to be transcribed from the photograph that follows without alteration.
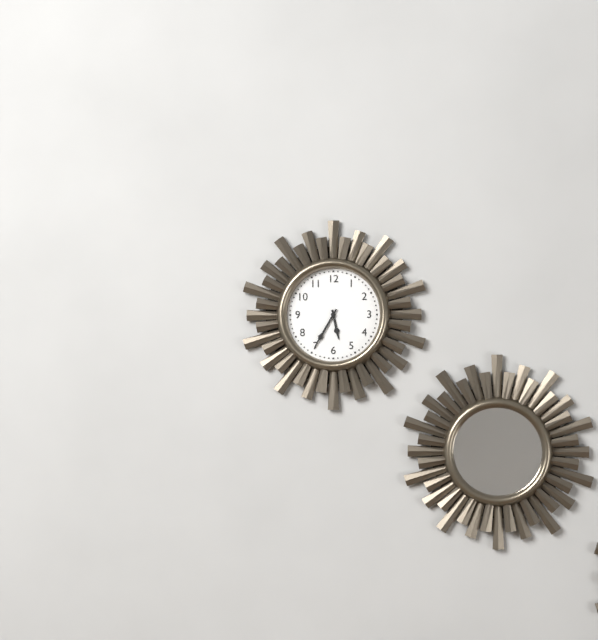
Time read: 5:35
